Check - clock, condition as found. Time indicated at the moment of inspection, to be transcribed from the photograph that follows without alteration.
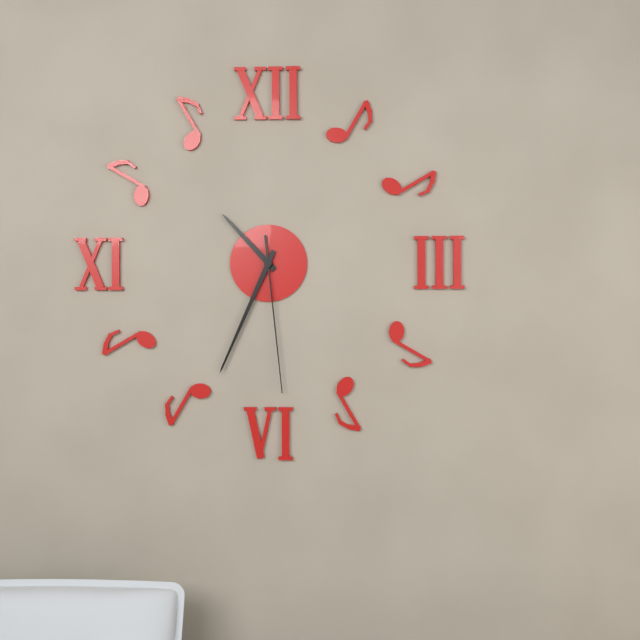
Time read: 10:34:29
